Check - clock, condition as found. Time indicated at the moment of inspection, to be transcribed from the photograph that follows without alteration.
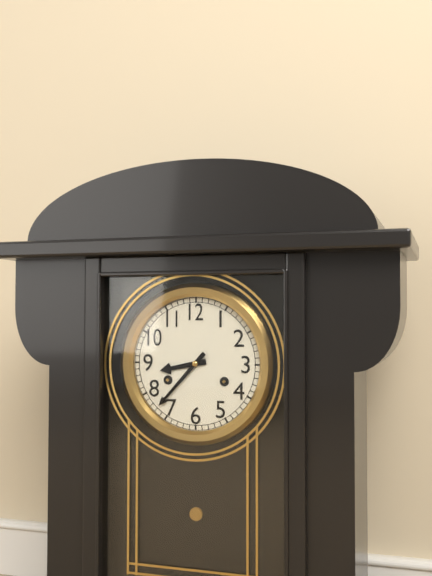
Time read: 8:37
